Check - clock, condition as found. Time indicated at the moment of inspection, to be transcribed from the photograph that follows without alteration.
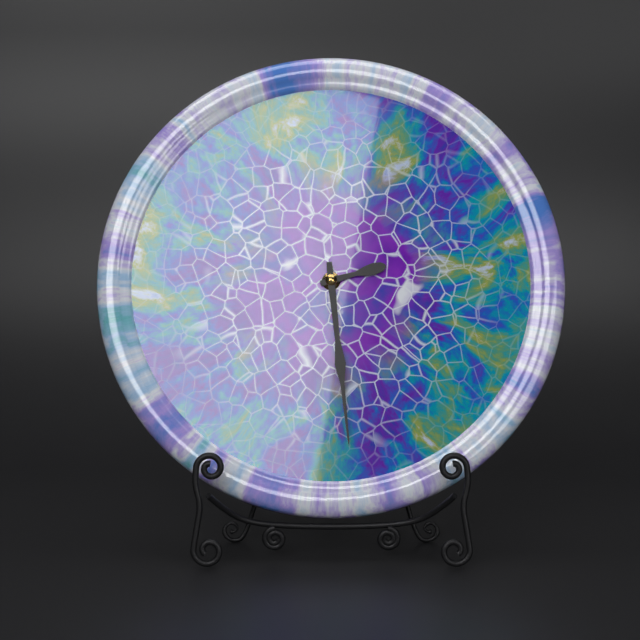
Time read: 2:29
